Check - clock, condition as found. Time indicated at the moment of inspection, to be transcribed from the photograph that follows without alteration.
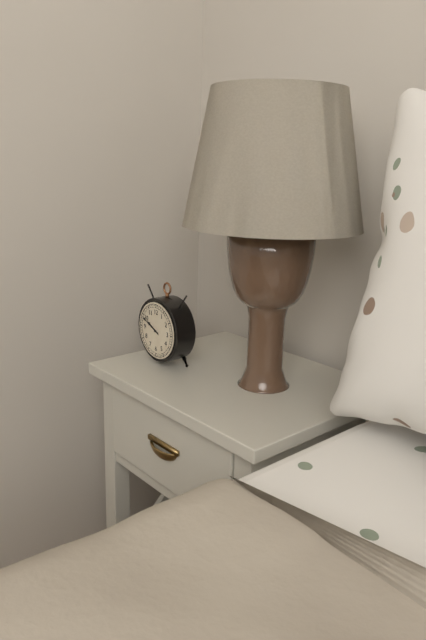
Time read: 9:49
